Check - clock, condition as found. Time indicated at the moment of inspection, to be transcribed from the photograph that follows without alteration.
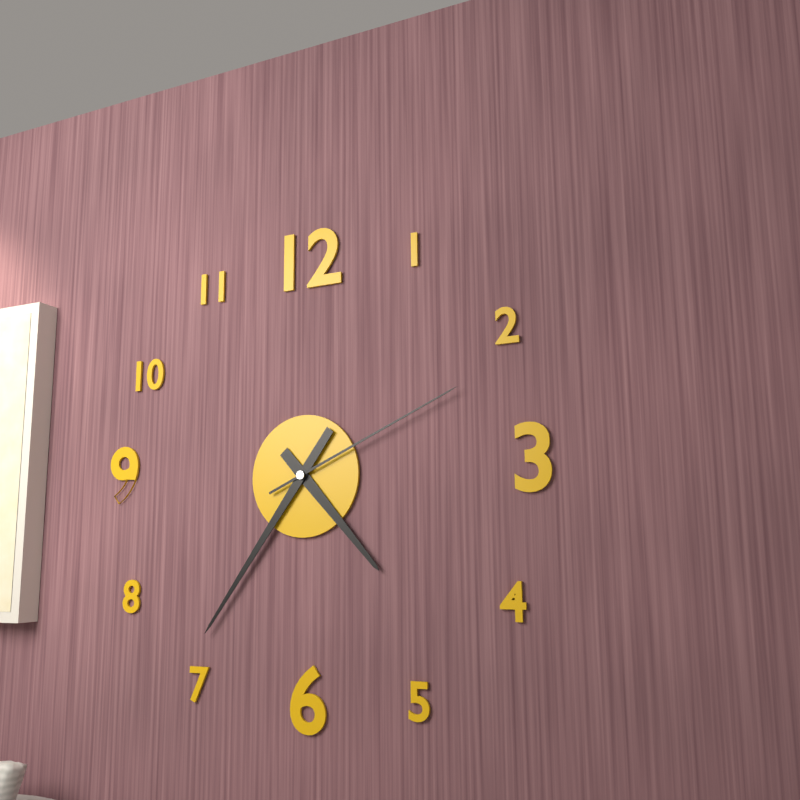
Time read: 4:36:11
